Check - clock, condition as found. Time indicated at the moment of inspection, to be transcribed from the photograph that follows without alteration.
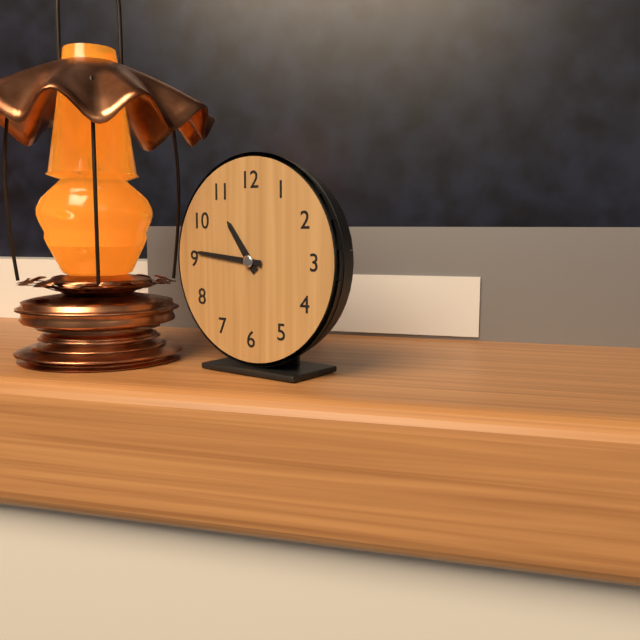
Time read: 10:46
